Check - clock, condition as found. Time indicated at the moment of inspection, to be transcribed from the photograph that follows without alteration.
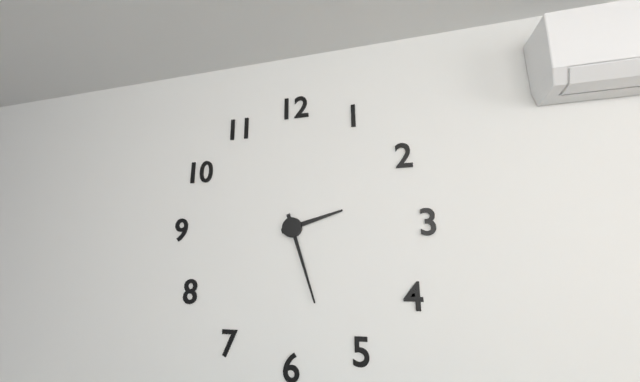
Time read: 2:27
